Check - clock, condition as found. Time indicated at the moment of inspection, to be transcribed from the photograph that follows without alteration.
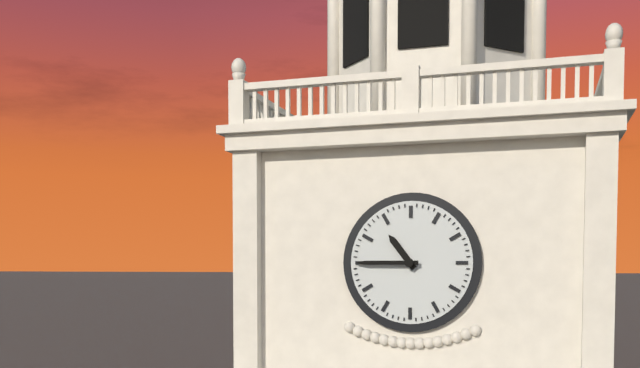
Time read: 10:45
